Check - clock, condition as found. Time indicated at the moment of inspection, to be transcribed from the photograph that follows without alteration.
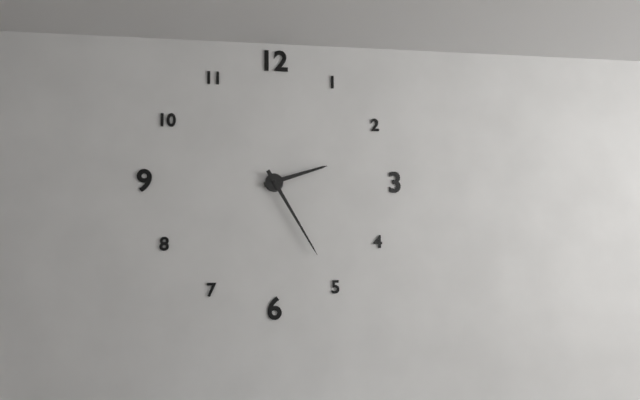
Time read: 2:25
